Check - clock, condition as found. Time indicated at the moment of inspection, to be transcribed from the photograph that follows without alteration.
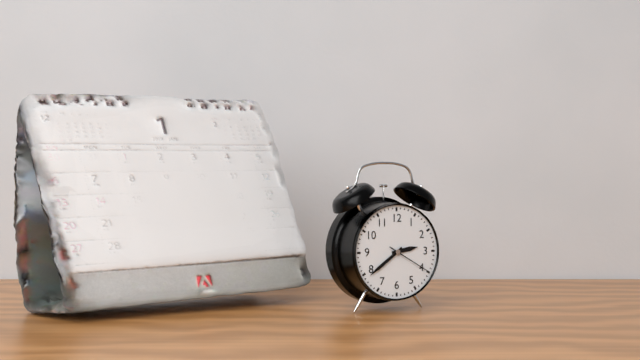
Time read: 2:39
